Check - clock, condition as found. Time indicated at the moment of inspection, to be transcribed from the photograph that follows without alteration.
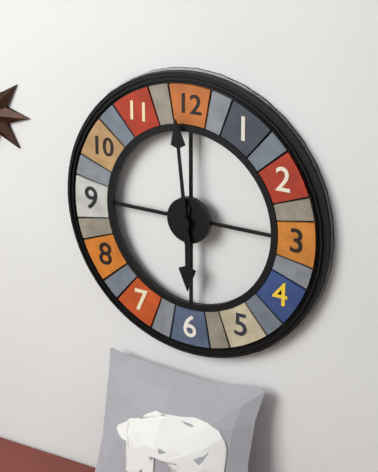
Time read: 5:59
